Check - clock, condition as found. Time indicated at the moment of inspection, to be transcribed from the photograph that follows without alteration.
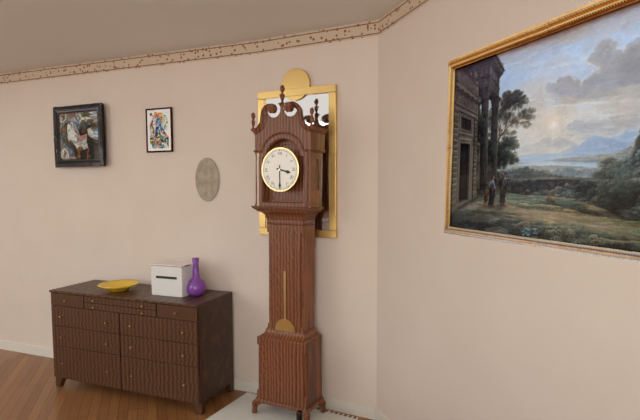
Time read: 3:30
